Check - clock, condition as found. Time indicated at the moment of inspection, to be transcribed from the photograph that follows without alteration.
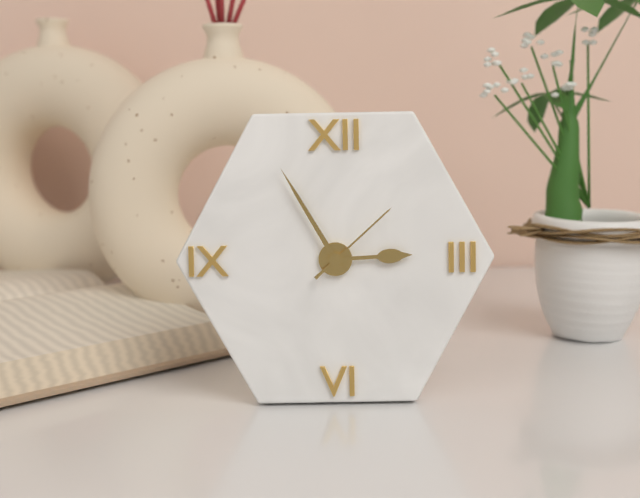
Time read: 2:55:08
